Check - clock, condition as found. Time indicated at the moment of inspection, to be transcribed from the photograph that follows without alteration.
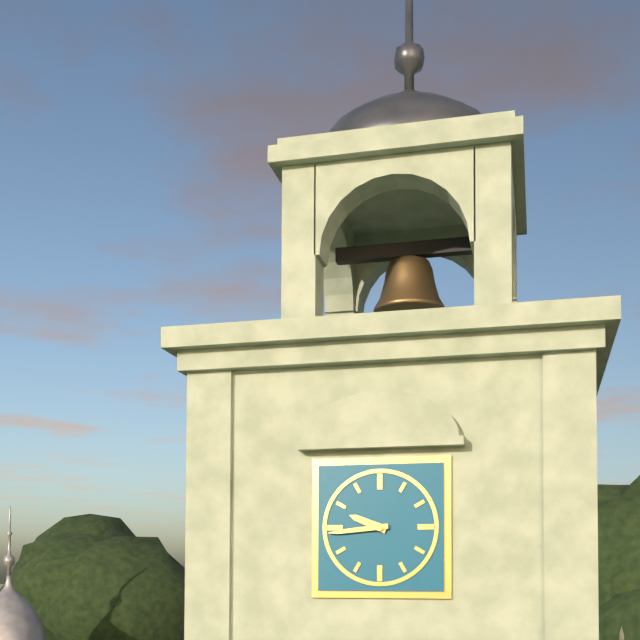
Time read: 9:44
